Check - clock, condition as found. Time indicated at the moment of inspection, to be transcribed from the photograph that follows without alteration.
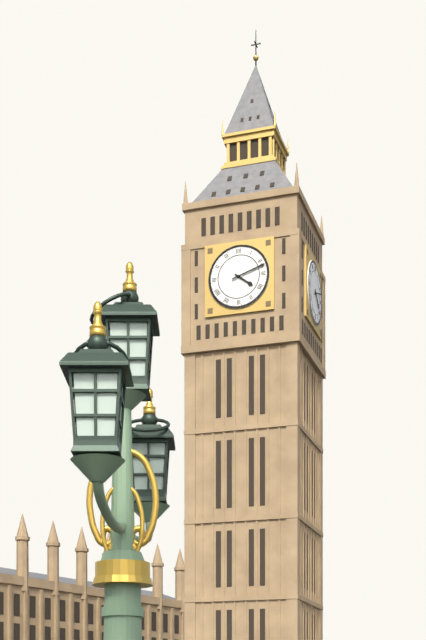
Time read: 4:12
